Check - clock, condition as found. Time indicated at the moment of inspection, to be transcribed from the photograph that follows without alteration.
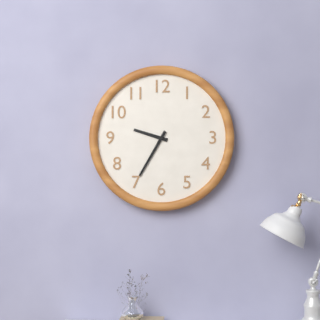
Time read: 9:35
